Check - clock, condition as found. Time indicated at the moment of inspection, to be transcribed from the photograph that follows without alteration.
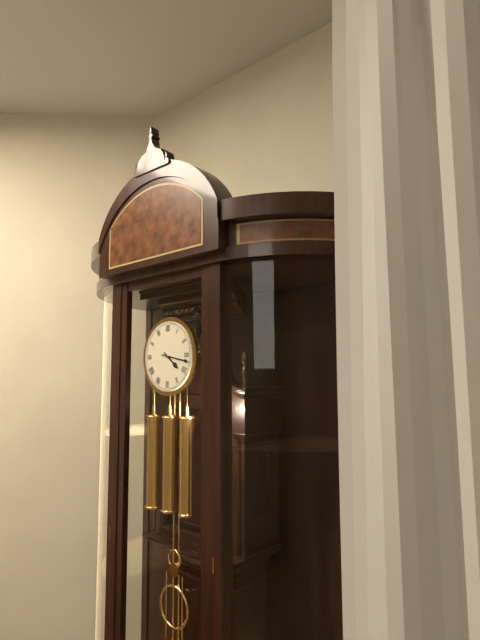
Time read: 4:17
